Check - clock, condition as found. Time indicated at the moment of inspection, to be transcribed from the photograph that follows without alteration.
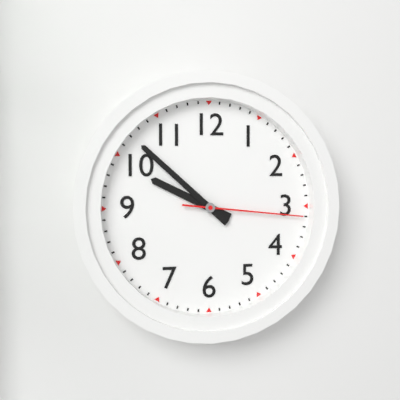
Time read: 9:52:16
